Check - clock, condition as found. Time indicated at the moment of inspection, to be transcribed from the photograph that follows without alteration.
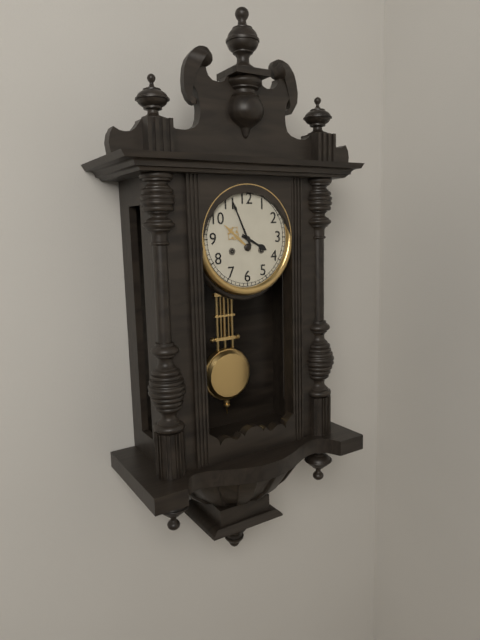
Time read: 3:56
